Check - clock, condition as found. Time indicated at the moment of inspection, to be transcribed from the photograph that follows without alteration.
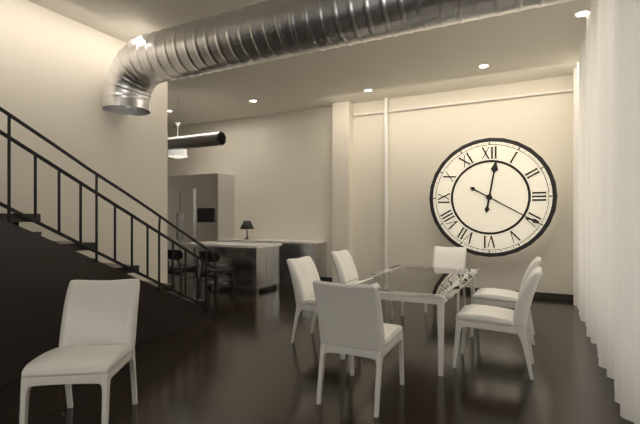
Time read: 12:20
